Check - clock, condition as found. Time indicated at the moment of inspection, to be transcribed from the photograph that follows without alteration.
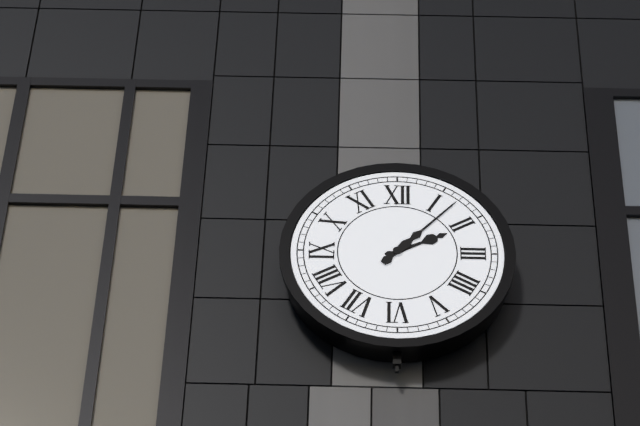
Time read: 2:07
